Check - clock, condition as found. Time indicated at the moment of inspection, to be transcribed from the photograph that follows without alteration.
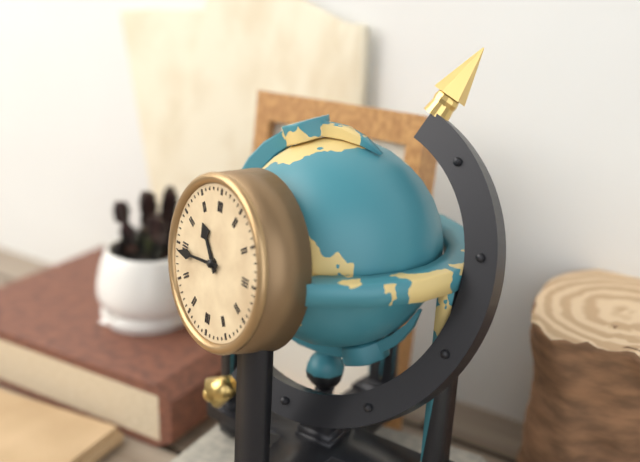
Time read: 10:44
